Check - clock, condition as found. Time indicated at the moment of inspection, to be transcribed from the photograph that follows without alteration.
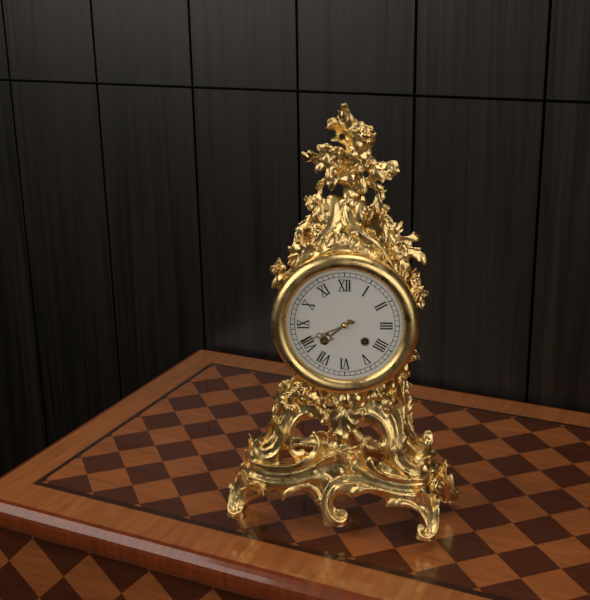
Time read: 7:41
